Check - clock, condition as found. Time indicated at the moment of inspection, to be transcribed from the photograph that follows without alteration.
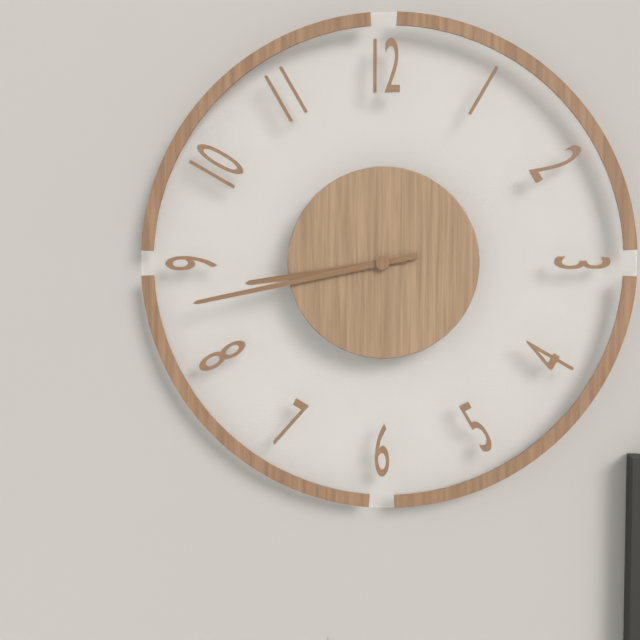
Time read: 8:43
